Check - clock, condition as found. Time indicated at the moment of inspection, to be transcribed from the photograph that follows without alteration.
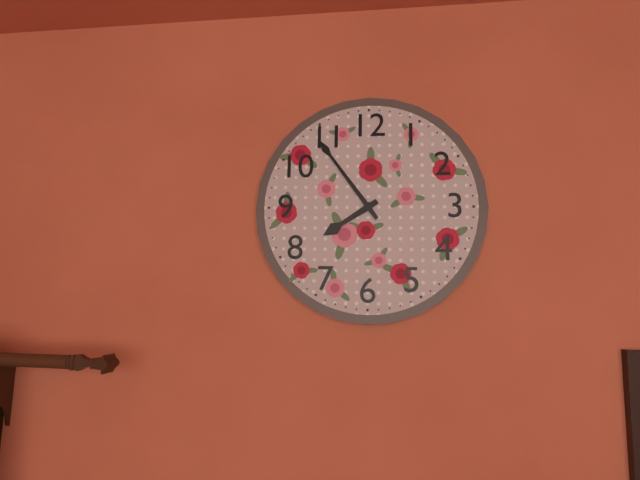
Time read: 7:54
